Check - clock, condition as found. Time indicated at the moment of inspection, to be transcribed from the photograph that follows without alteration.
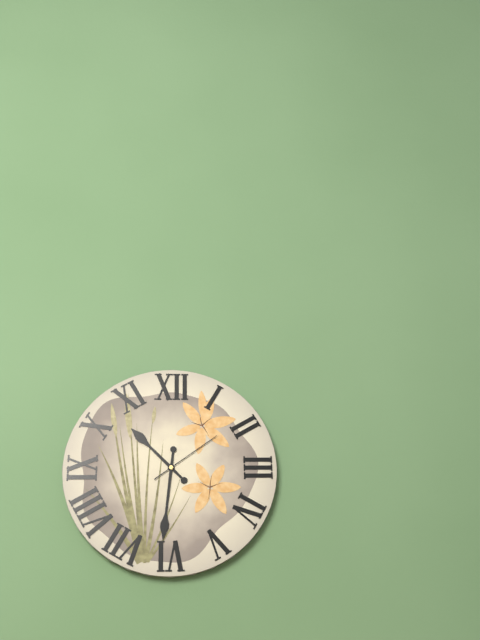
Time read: 10:31:09
